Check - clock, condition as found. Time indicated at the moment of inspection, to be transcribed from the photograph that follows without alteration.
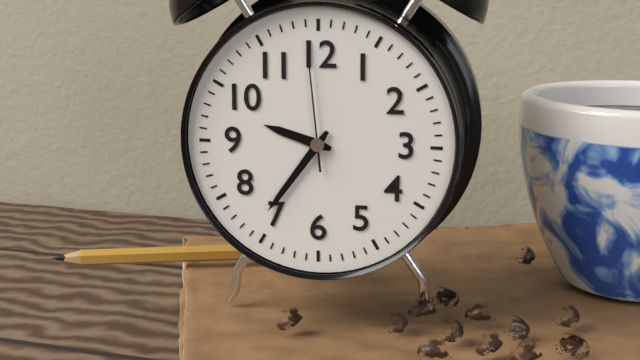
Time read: 9:36:59
